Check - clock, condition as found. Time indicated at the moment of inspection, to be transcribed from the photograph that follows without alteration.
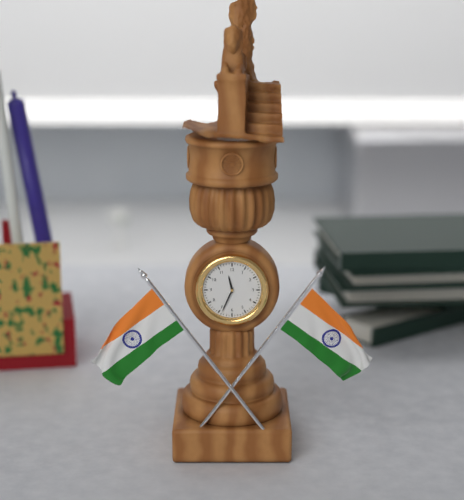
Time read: 11:34
